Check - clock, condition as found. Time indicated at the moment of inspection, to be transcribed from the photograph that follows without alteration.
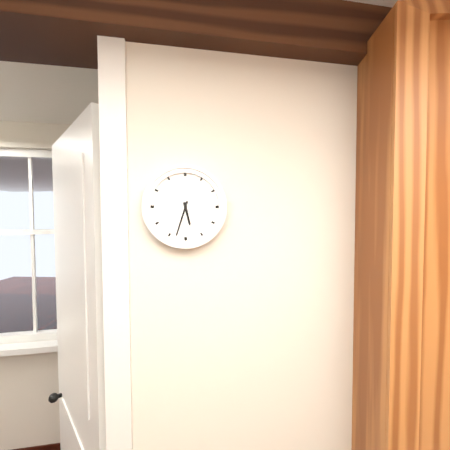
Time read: 5:33
